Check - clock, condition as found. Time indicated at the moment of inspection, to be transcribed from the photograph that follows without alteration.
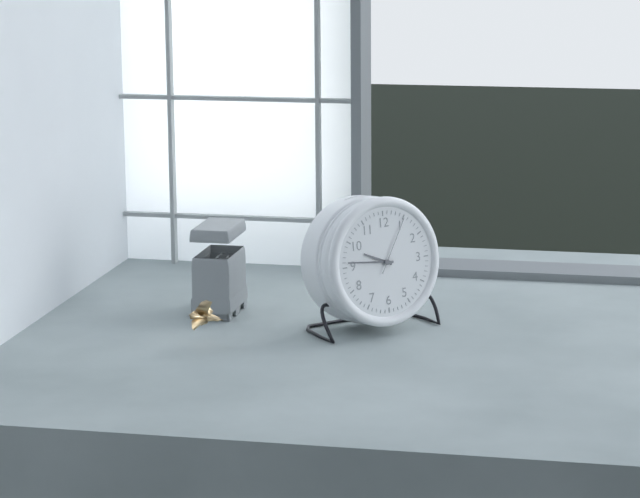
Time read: 9:46:05
